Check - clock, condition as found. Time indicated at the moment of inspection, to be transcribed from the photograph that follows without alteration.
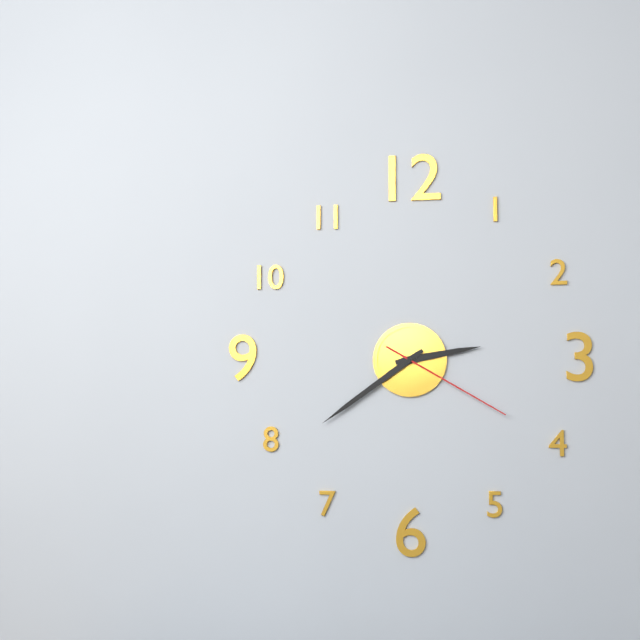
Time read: 2:39:20
